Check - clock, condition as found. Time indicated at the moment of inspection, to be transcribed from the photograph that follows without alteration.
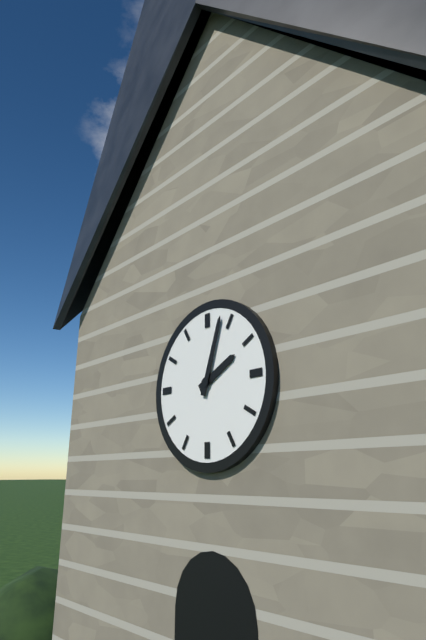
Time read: 2:03
